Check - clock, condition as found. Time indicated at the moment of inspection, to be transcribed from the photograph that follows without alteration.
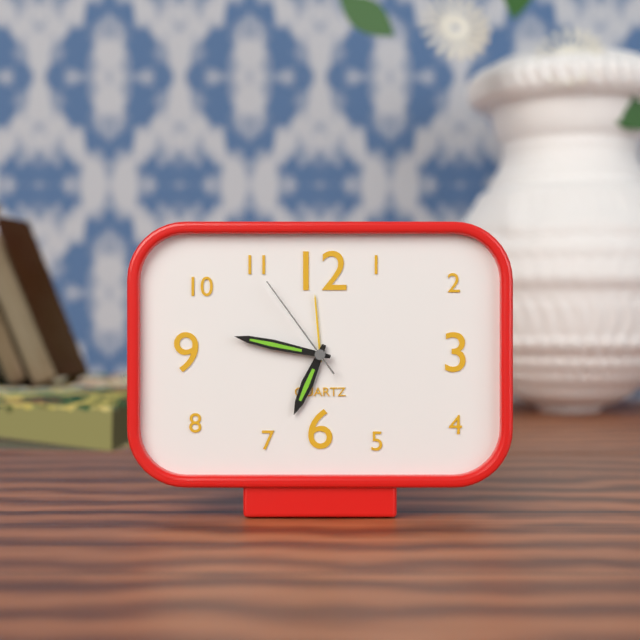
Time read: 6:47:54
